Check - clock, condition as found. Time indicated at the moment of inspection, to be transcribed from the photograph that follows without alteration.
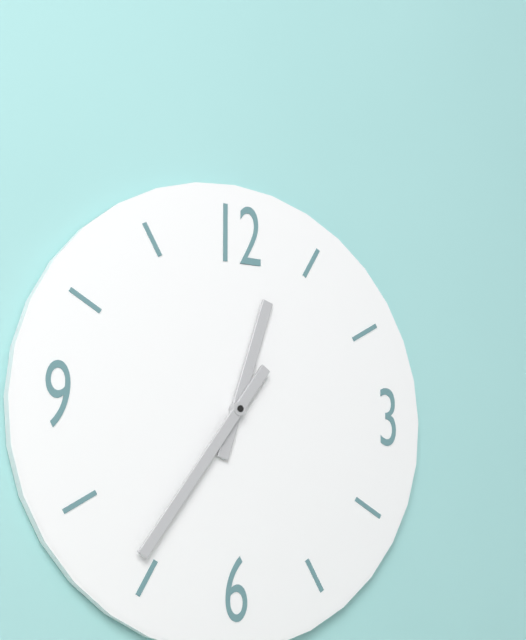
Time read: 12:36
